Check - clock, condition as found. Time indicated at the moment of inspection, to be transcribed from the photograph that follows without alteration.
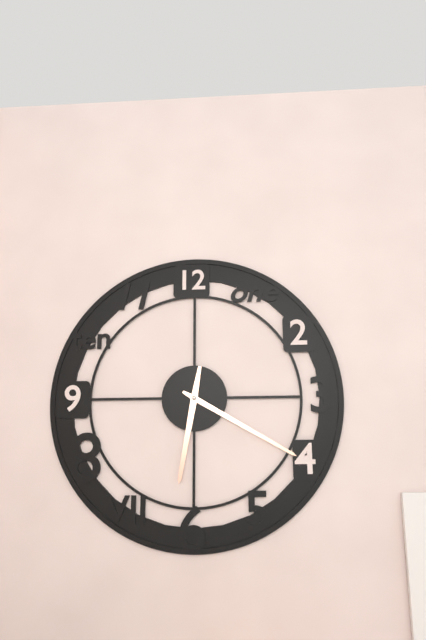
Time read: 6:20
